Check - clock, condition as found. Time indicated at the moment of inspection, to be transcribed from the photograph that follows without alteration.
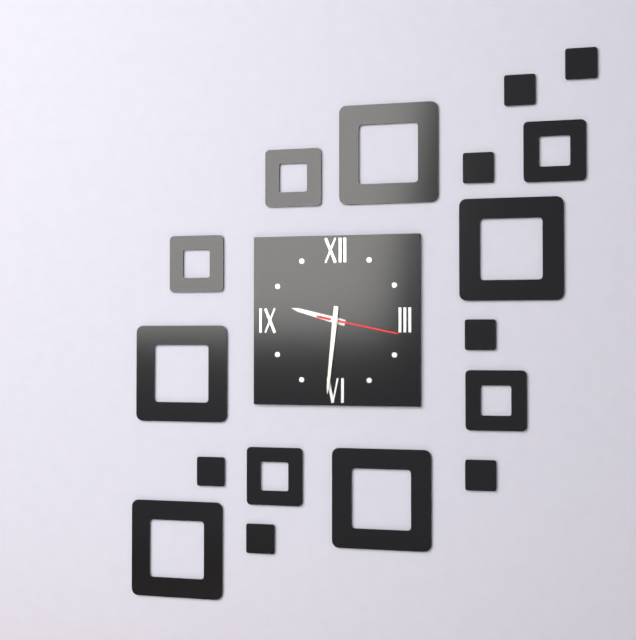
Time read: 9:31:17
